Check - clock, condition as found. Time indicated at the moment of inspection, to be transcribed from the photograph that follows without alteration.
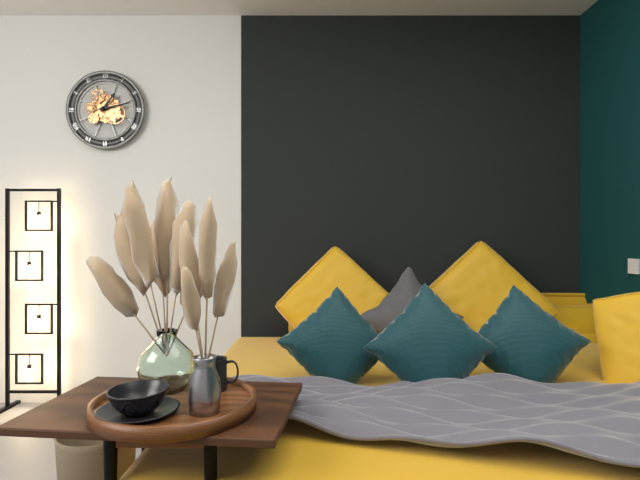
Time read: 1:13
